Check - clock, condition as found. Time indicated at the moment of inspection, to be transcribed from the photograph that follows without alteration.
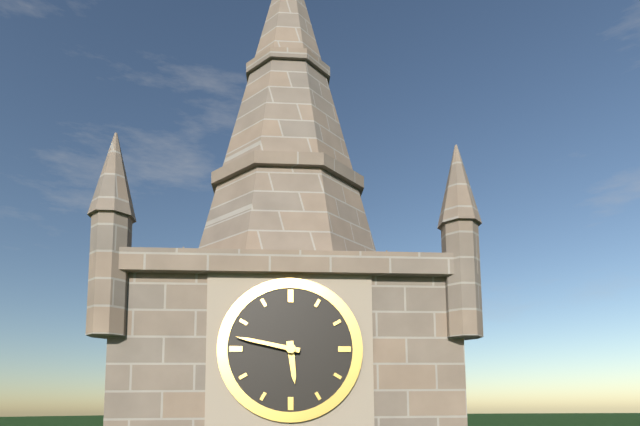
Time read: 5:47
